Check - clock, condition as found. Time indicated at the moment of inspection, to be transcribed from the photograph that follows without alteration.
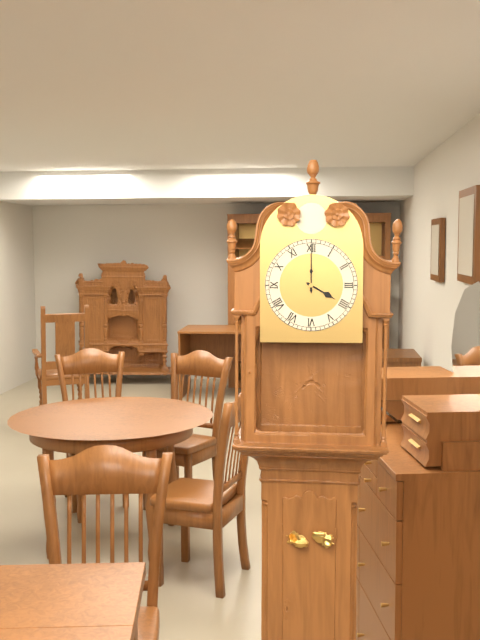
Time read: 4:00
